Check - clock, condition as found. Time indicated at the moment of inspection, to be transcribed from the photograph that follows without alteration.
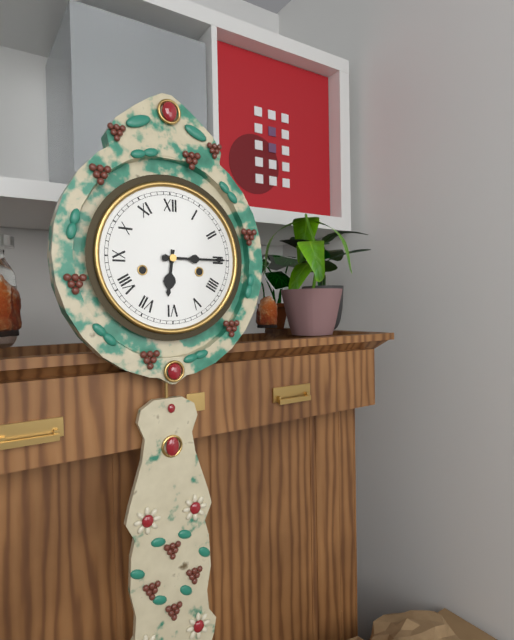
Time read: 6:15
